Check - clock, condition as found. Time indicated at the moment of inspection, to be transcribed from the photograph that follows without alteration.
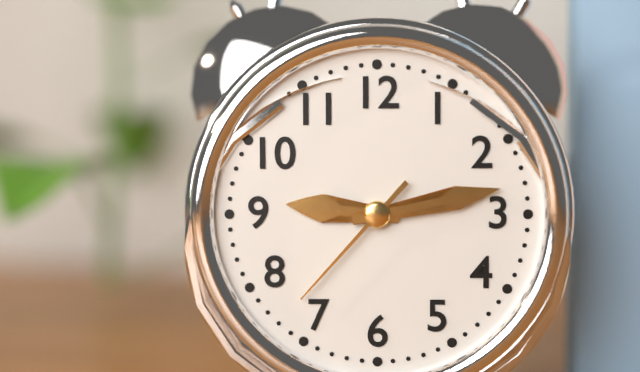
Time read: 9:13:37
